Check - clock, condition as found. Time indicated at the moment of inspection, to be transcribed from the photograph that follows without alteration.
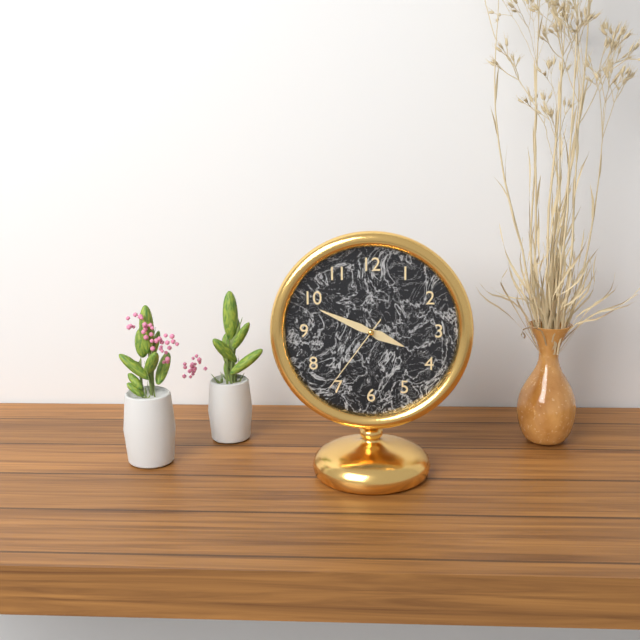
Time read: 3:49:36
